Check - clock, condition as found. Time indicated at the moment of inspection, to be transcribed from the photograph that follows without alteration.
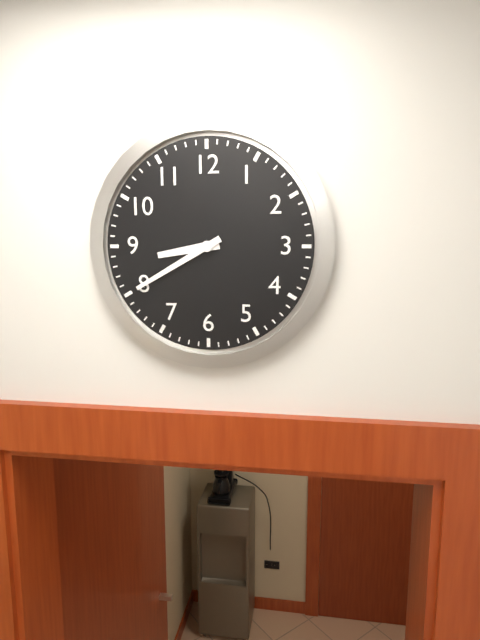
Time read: 8:40
